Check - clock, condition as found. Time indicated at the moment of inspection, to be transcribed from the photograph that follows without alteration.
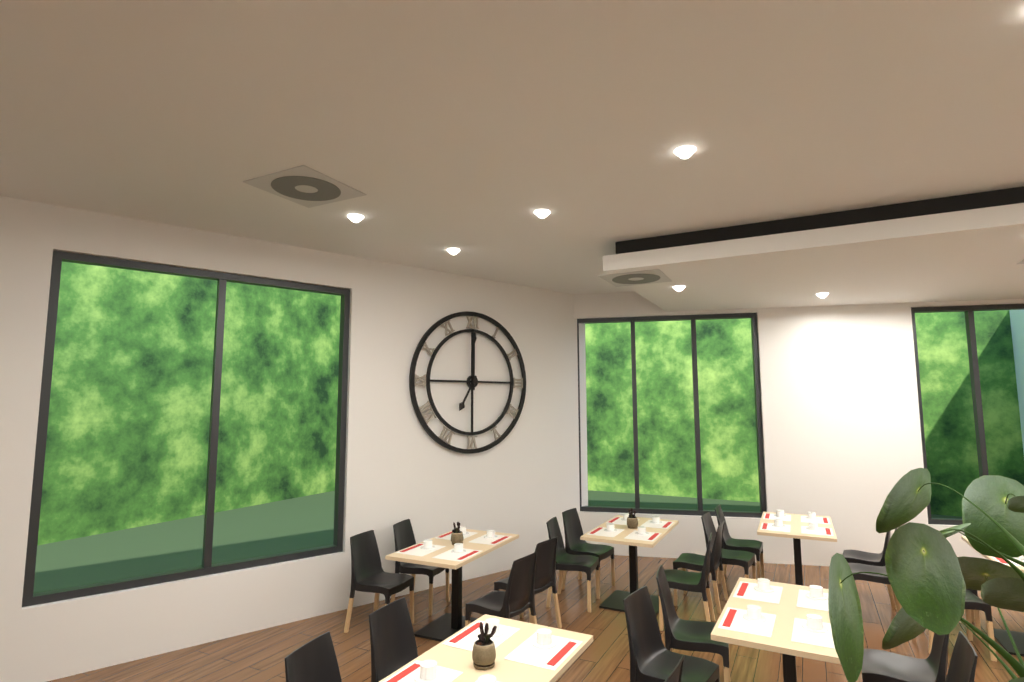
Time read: 7:00
